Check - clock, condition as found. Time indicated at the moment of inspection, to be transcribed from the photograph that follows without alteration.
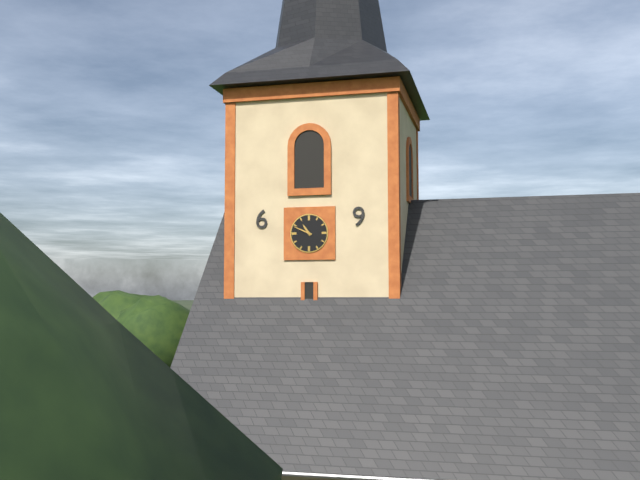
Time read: 10:49
